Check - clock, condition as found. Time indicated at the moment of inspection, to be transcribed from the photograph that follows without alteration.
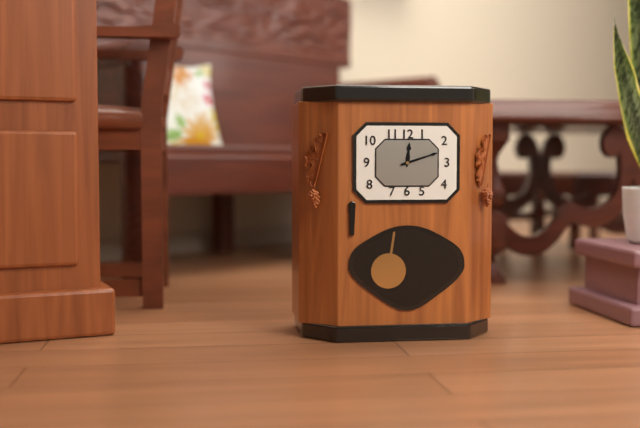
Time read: 12:12
